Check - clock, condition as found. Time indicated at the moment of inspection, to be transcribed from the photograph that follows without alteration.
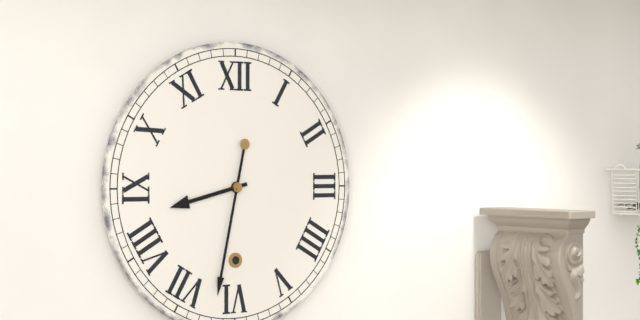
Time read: 8:32
